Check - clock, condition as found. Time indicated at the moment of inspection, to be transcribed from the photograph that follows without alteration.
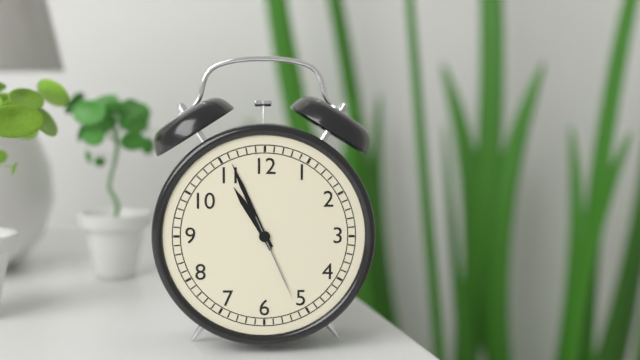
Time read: 10:56:26
